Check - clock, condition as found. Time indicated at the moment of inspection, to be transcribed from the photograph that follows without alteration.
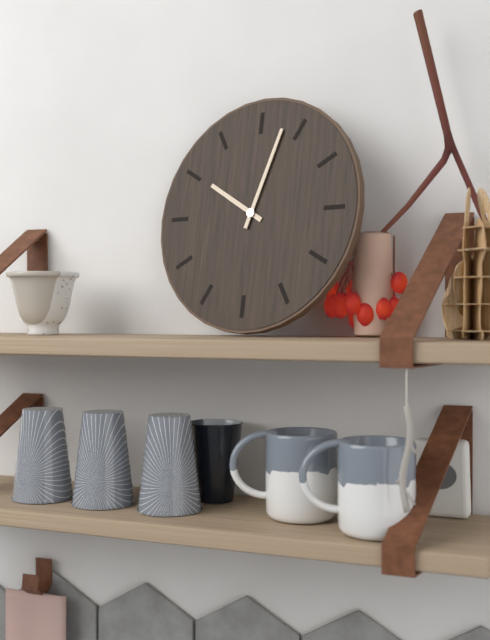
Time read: 10:03
